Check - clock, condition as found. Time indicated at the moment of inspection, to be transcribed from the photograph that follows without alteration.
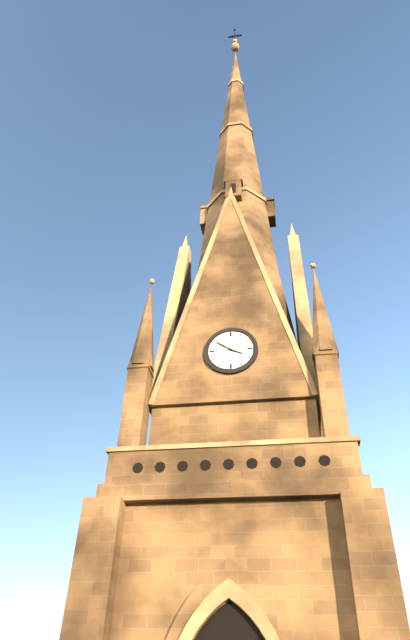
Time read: 3:51
